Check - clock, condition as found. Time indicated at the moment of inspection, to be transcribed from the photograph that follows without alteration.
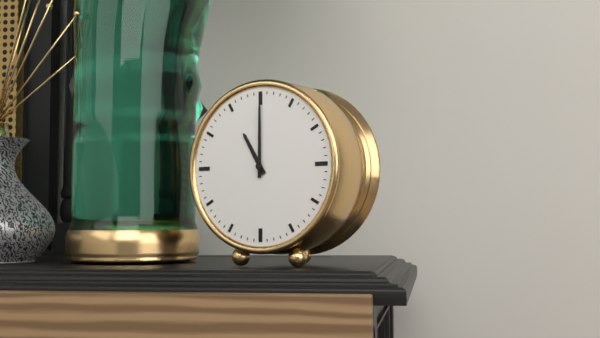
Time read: 11:00
